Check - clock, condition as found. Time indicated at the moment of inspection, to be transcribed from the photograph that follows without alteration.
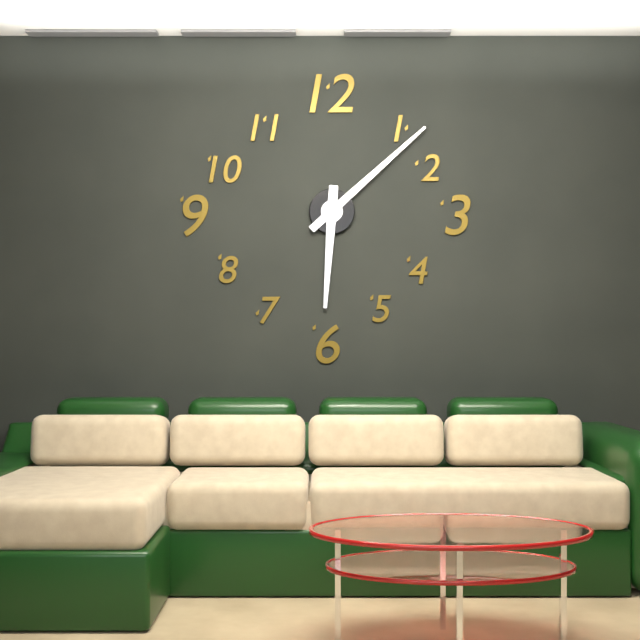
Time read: 6:08
